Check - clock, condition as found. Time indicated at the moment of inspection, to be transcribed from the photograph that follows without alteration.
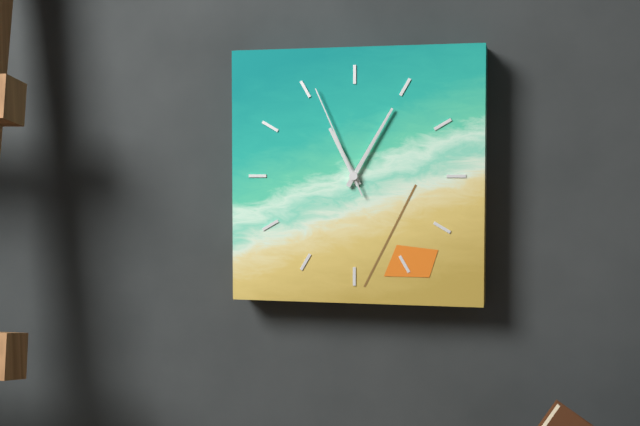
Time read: 11:05:56
